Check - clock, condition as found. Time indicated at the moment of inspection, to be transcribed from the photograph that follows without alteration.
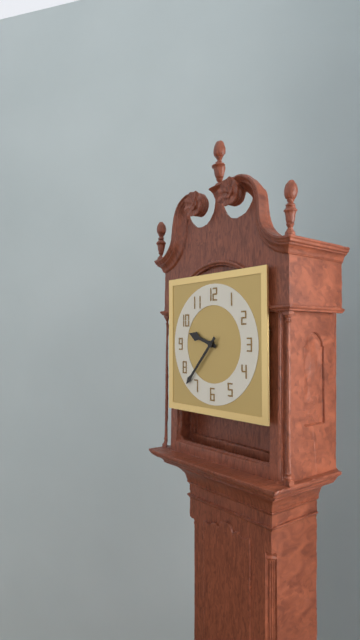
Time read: 9:37
